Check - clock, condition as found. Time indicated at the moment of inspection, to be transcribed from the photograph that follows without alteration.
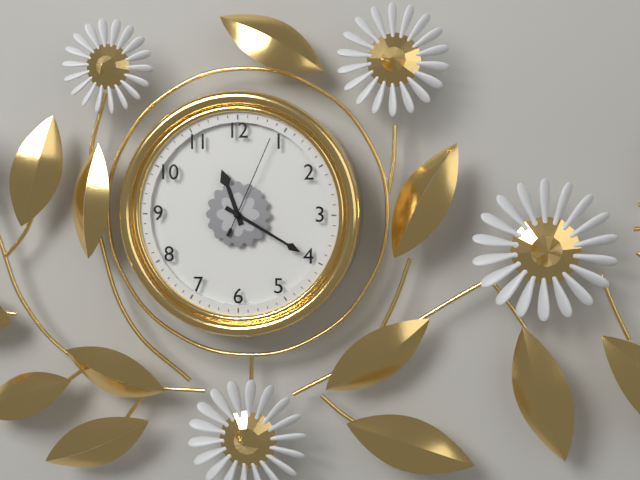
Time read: 11:20:04
